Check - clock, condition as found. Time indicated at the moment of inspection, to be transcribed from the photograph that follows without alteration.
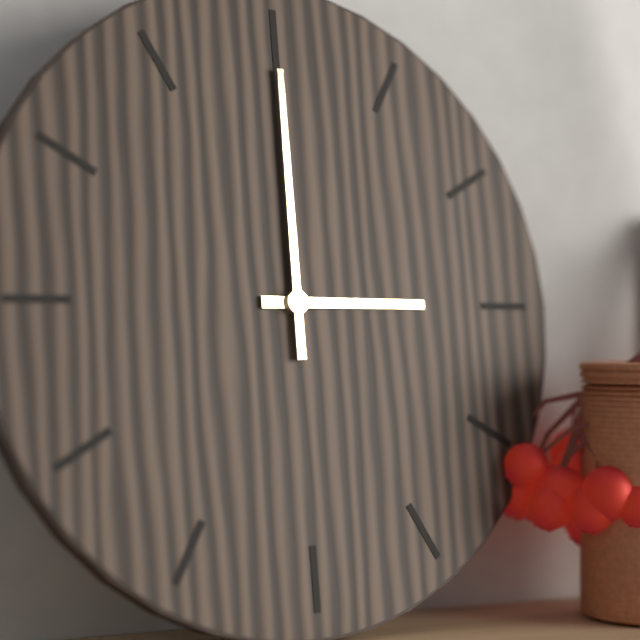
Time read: 3:00
